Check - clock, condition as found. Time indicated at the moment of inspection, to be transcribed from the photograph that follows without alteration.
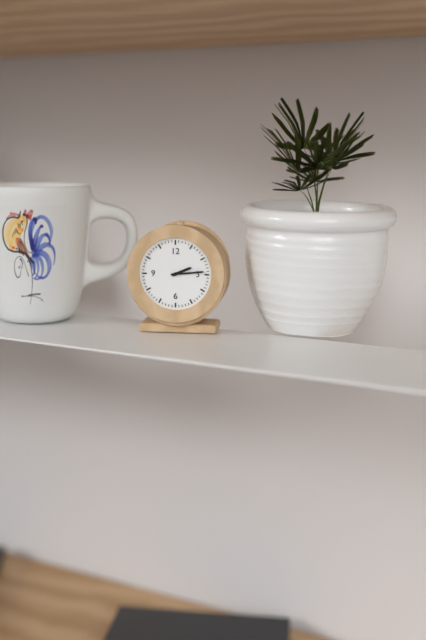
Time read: 2:14
